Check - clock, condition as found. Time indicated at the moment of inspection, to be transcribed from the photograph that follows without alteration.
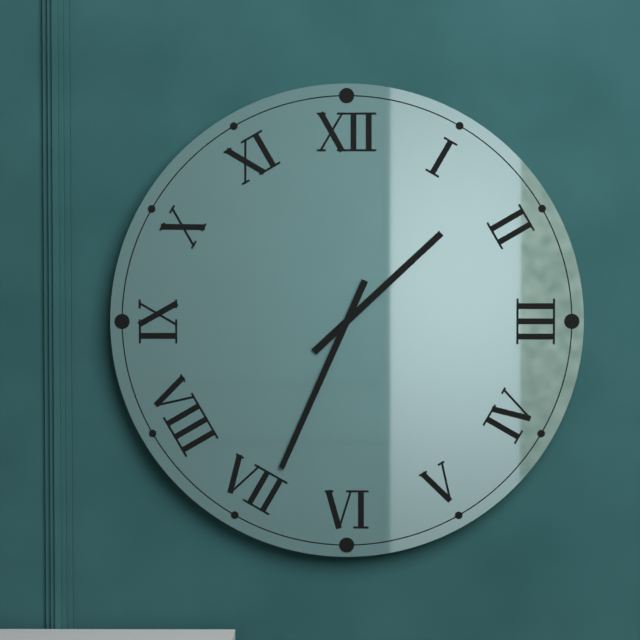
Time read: 1:34
